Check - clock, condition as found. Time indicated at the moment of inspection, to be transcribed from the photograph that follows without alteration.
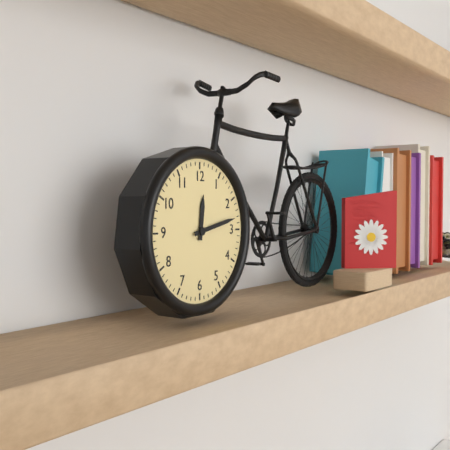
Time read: 12:13
